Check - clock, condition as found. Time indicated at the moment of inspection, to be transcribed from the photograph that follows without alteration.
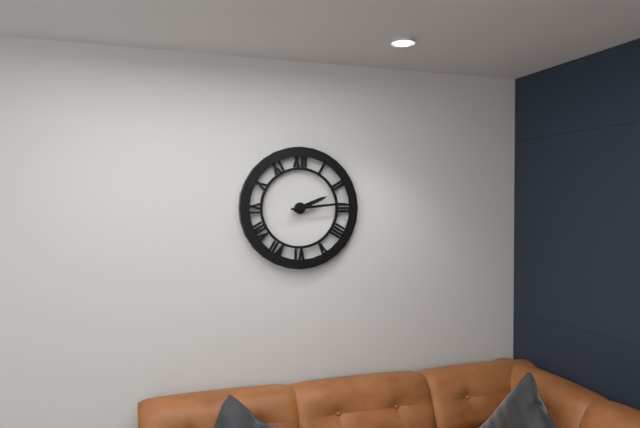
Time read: 2:14
